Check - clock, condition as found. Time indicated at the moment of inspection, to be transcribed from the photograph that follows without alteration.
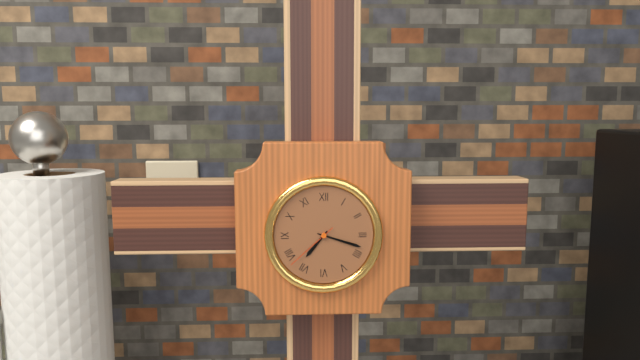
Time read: 7:18:38
